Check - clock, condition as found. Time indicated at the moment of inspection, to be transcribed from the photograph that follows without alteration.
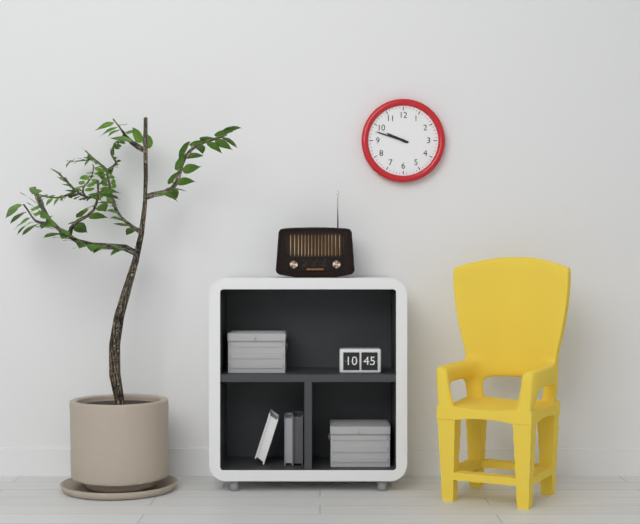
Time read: 9:48
